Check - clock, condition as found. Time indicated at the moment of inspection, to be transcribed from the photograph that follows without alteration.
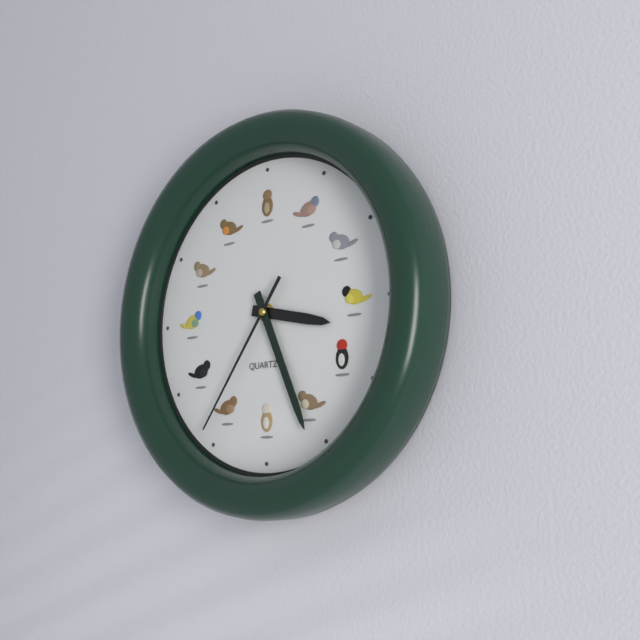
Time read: 3:26:36
